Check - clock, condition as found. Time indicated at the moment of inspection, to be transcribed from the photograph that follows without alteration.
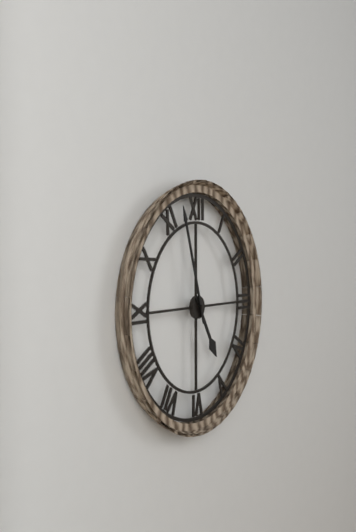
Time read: 4:57
